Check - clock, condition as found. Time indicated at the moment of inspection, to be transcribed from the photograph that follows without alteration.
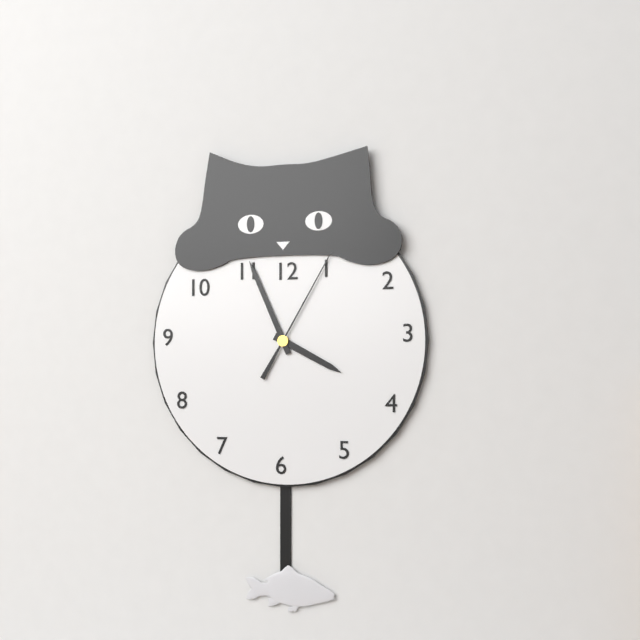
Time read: 3:56:05
